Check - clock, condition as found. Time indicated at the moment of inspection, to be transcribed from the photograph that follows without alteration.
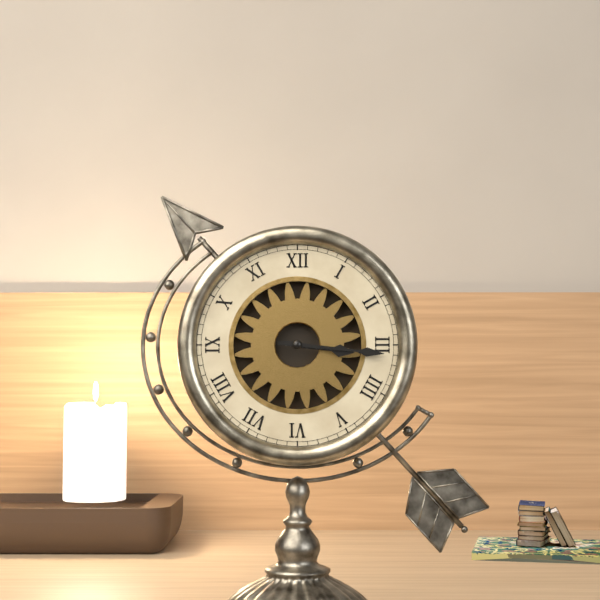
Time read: 3:16
